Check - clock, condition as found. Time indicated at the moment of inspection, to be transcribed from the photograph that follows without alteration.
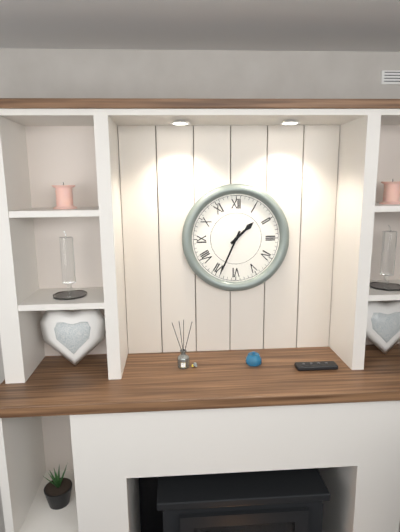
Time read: 1:34
